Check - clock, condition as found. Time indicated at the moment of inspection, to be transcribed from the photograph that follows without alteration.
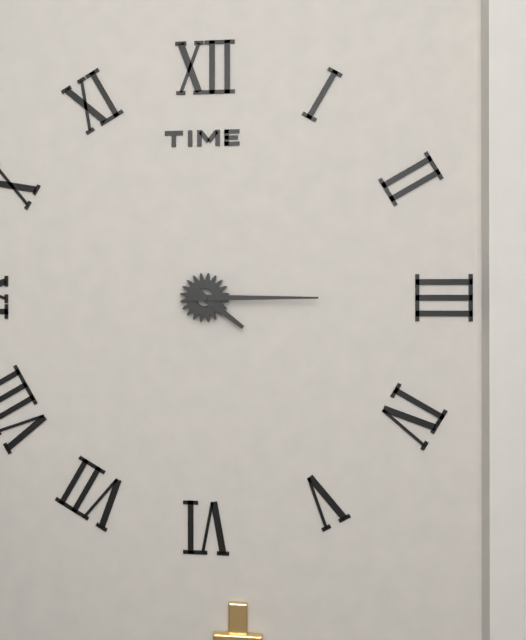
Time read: 4:15
